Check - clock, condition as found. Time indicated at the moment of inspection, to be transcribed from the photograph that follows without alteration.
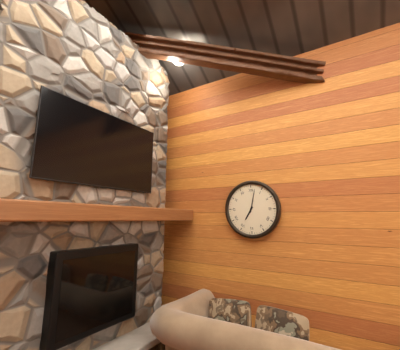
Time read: 7:02
